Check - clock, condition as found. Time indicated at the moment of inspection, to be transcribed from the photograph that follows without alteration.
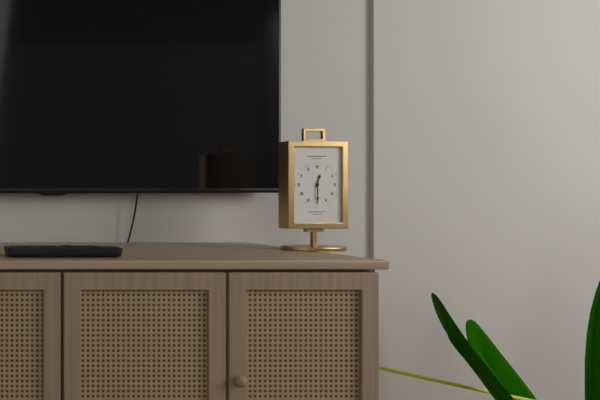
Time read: 12:30
